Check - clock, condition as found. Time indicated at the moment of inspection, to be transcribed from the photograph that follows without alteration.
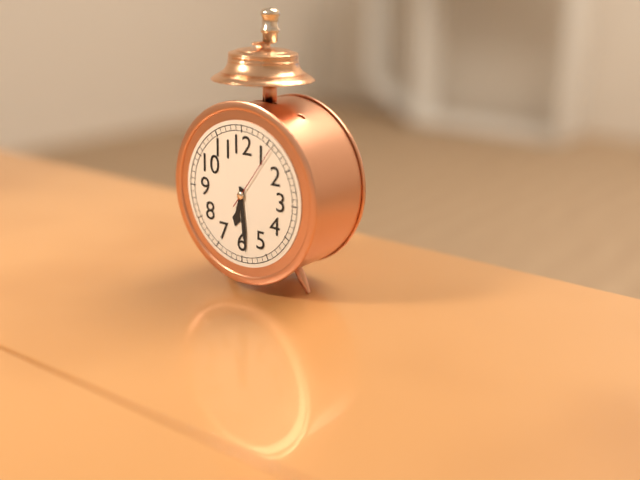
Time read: 6:29:06
